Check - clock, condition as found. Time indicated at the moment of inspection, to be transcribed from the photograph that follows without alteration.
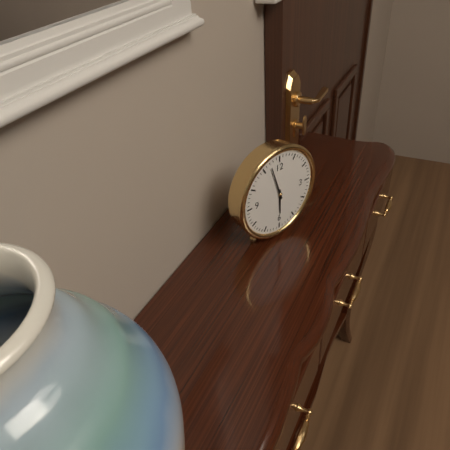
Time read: 5:57
